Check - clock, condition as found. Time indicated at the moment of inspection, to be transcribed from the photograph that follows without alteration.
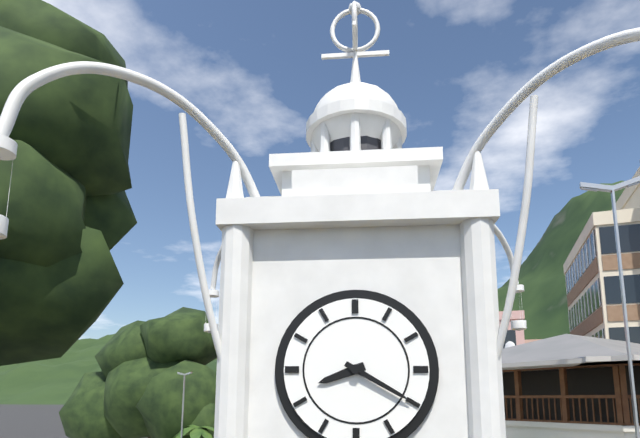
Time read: 8:20
